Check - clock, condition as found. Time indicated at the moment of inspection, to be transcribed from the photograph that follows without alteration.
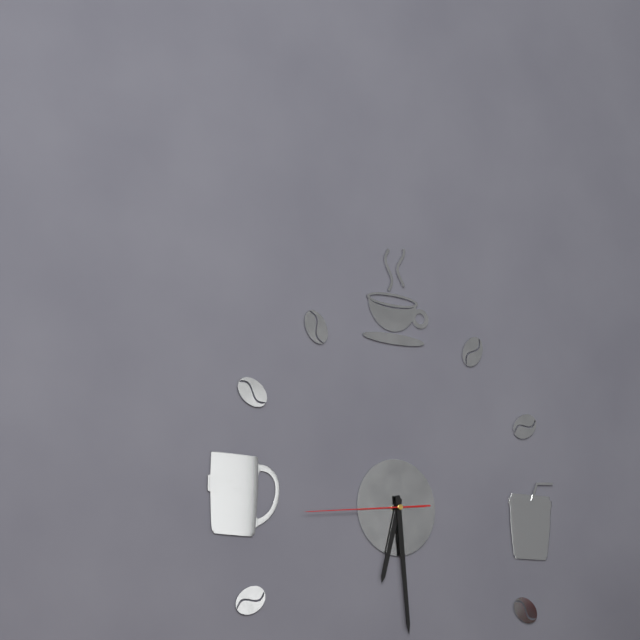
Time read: 6:29:44
